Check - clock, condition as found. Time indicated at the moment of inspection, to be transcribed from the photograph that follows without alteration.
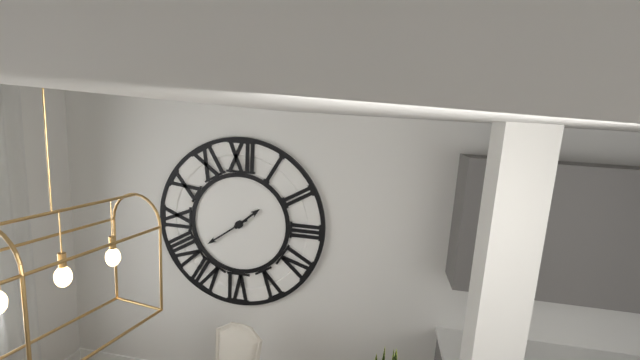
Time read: 1:39
